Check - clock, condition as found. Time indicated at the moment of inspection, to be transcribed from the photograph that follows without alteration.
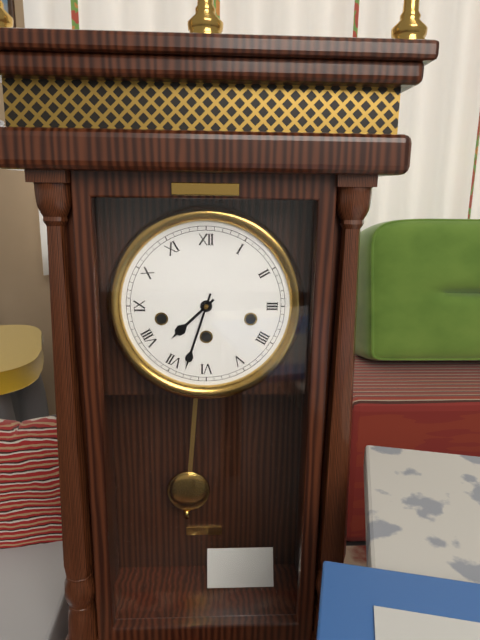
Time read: 7:33
